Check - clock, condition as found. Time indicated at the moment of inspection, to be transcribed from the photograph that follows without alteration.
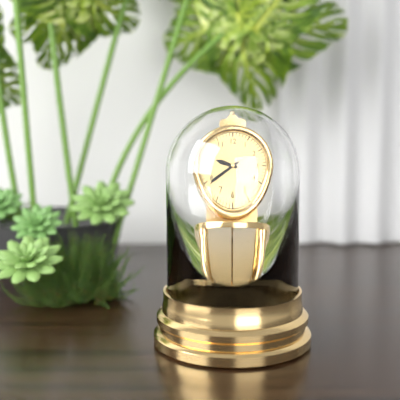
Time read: 9:39
